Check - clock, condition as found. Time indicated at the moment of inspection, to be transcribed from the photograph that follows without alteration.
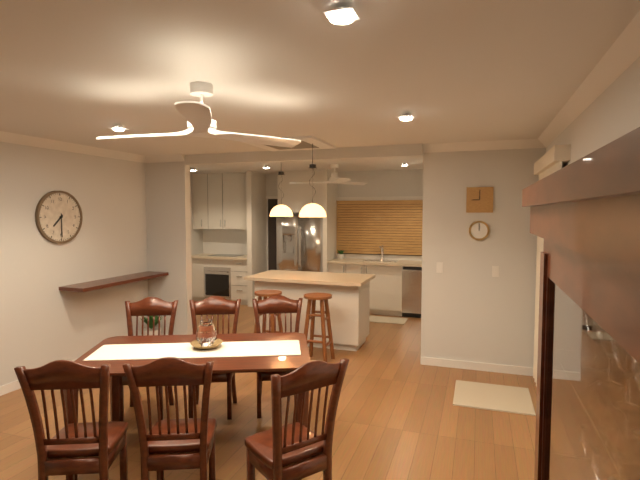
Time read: 7:30
